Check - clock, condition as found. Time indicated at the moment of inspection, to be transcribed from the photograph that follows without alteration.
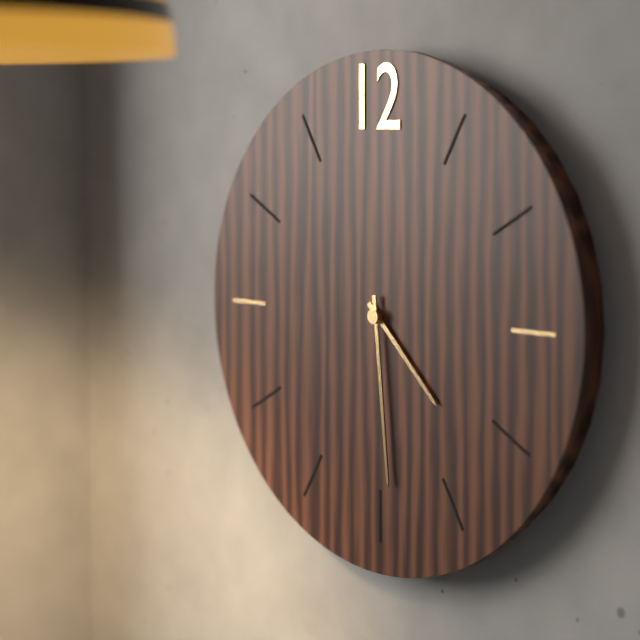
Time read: 4:29
